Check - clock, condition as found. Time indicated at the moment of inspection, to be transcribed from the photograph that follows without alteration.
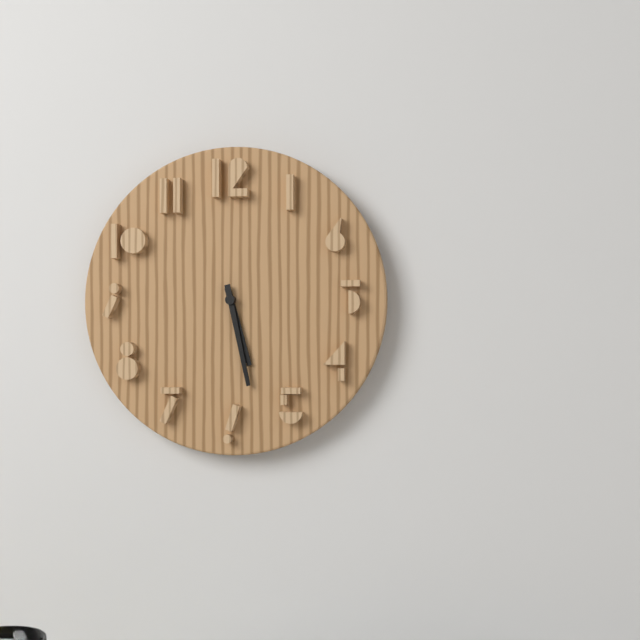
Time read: 5:28
